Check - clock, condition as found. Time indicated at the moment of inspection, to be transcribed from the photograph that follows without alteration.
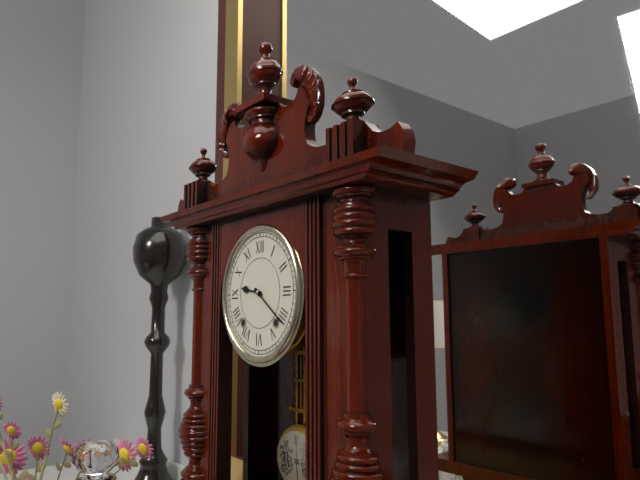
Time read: 9:21
